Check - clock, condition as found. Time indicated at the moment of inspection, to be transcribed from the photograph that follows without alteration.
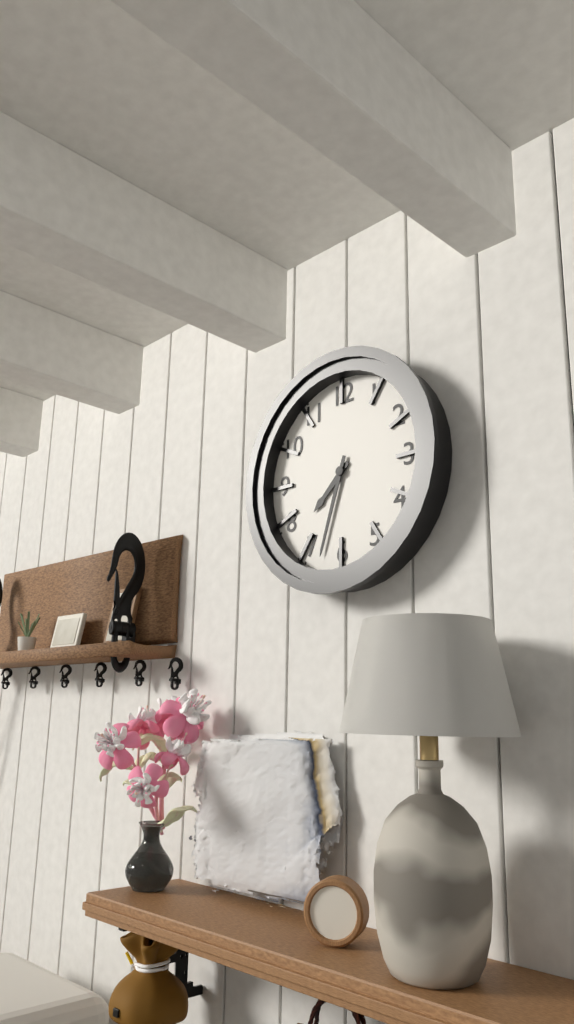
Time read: 7:33
